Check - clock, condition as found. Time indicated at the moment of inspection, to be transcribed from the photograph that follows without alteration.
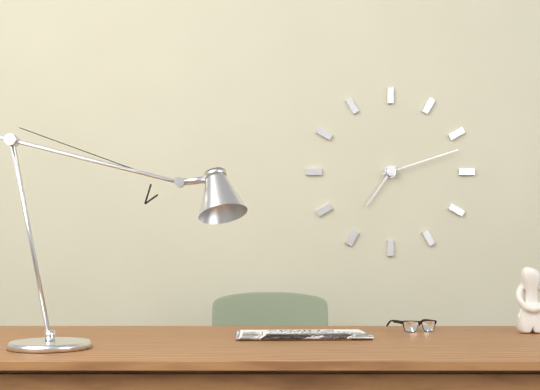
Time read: 7:12
